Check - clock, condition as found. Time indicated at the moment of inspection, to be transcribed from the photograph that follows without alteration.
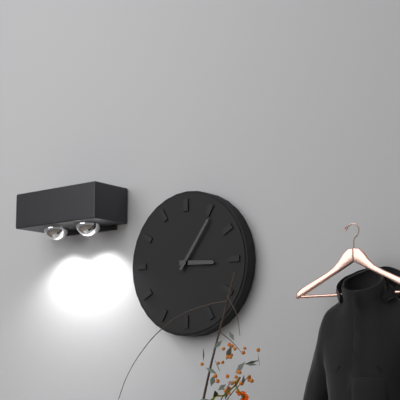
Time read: 3:06
